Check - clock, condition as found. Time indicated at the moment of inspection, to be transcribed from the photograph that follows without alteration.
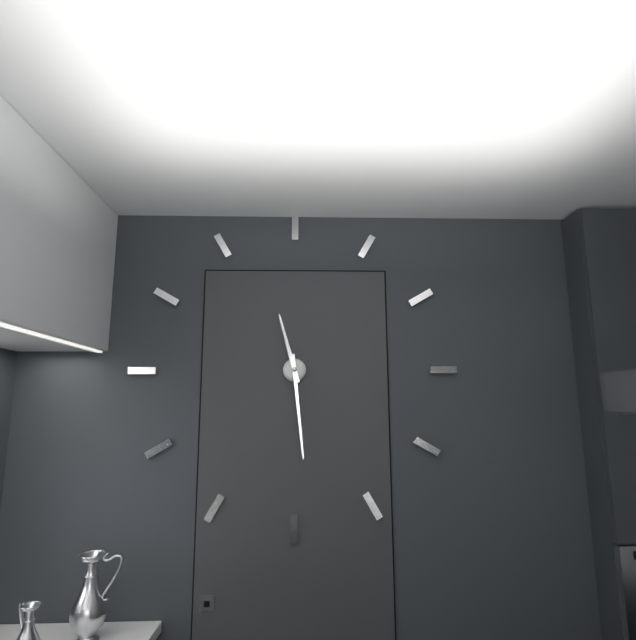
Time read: 11:29
